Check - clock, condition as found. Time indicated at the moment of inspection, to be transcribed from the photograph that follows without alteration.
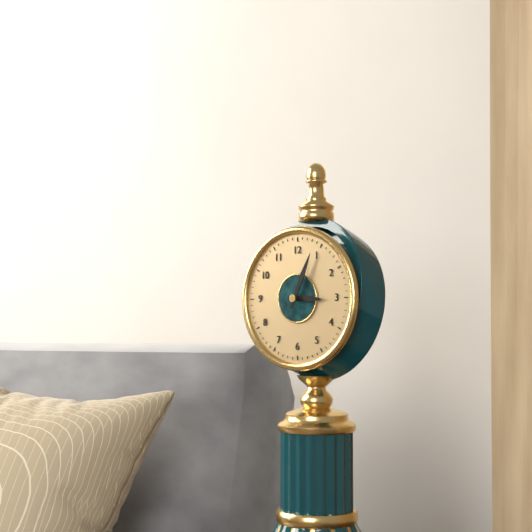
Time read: 3:04
